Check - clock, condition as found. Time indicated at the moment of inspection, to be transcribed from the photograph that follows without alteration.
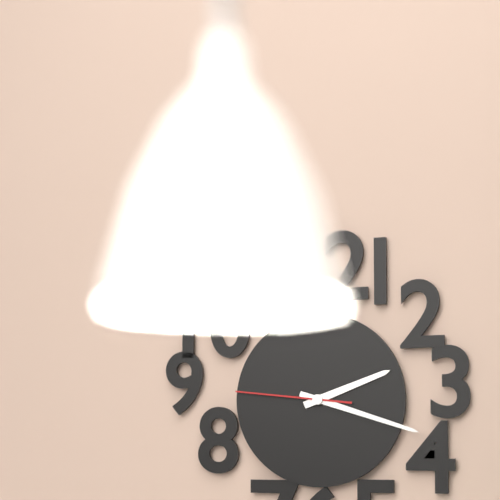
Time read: 2:18:46
